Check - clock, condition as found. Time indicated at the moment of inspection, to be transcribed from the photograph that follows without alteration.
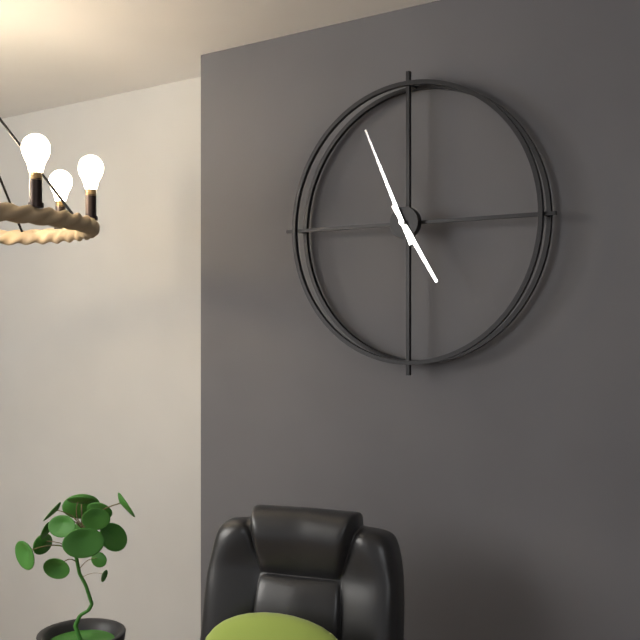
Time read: 4:56
